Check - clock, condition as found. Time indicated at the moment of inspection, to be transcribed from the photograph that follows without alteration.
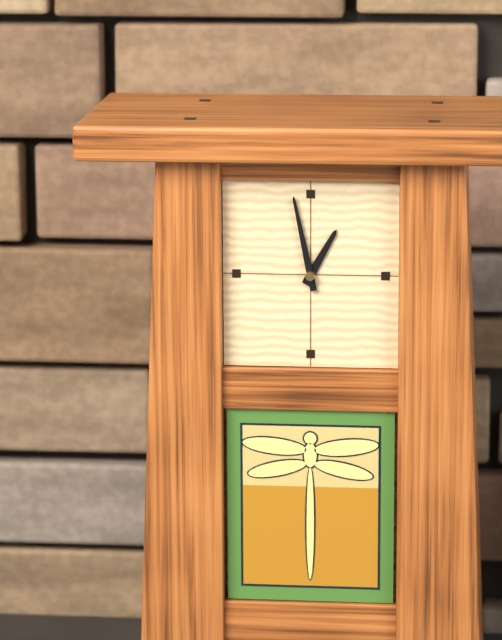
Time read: 12:58
